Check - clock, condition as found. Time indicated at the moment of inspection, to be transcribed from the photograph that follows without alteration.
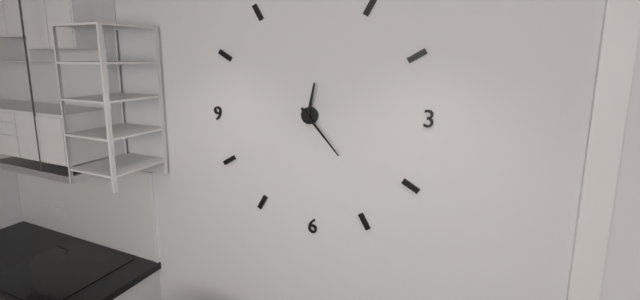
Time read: 12:23
